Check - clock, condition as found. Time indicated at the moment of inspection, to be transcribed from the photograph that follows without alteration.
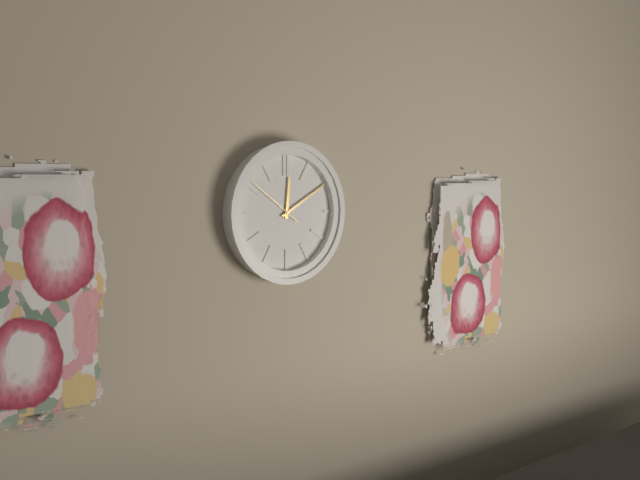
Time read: 12:10:51
